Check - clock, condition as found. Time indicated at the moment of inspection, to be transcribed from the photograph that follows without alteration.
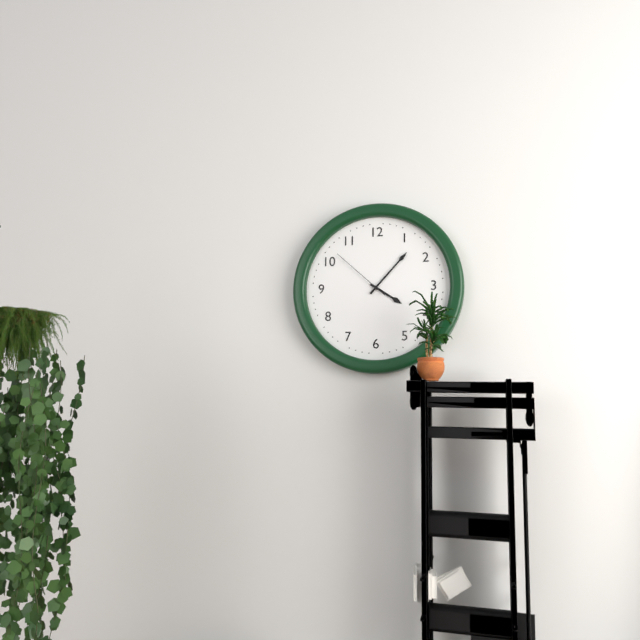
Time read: 4:07:52
